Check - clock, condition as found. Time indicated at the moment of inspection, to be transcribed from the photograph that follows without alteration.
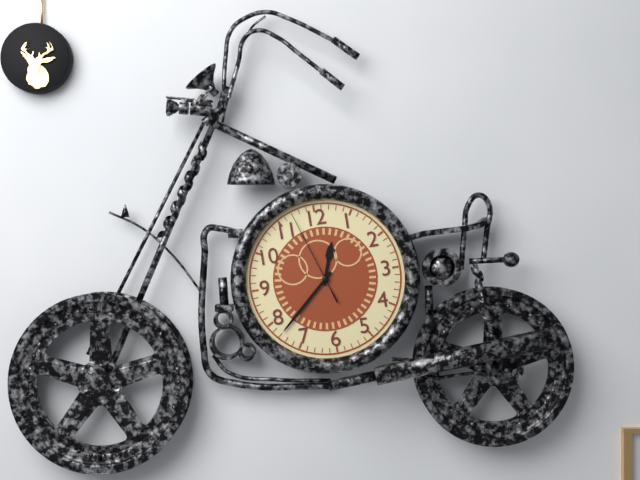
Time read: 12:38:57
